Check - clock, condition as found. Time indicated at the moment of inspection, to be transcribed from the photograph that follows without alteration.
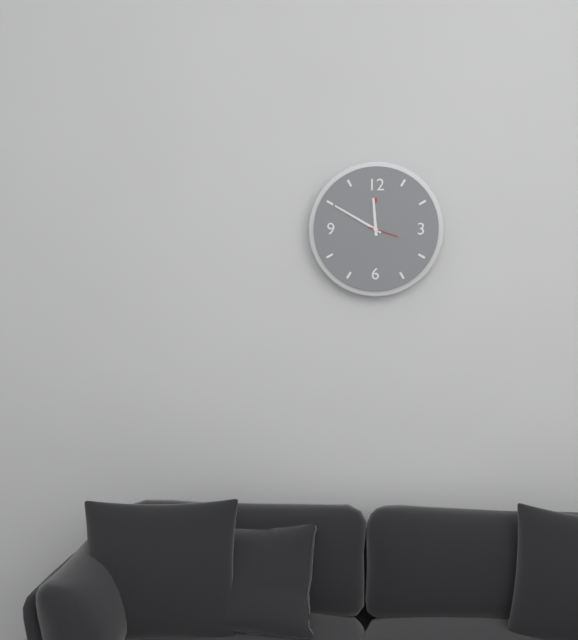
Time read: 11:50
